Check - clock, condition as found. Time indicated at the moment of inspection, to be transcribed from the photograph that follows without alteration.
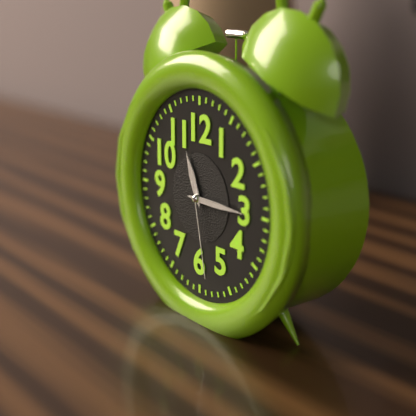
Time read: 11:15:28
